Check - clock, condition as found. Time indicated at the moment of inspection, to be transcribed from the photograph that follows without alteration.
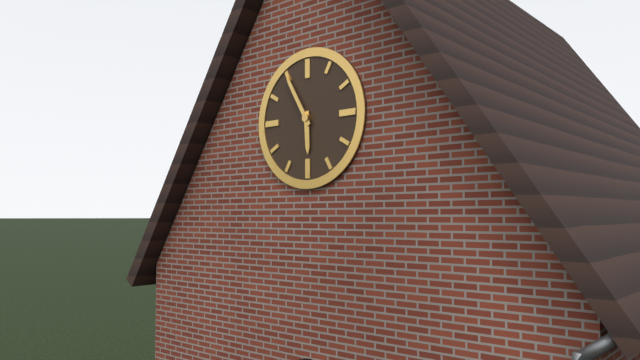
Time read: 5:55
